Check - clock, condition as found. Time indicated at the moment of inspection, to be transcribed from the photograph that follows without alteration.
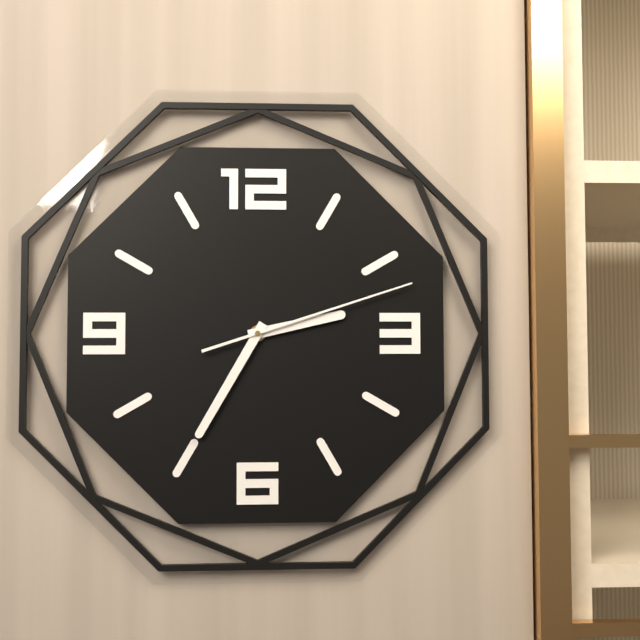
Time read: 2:35:12
